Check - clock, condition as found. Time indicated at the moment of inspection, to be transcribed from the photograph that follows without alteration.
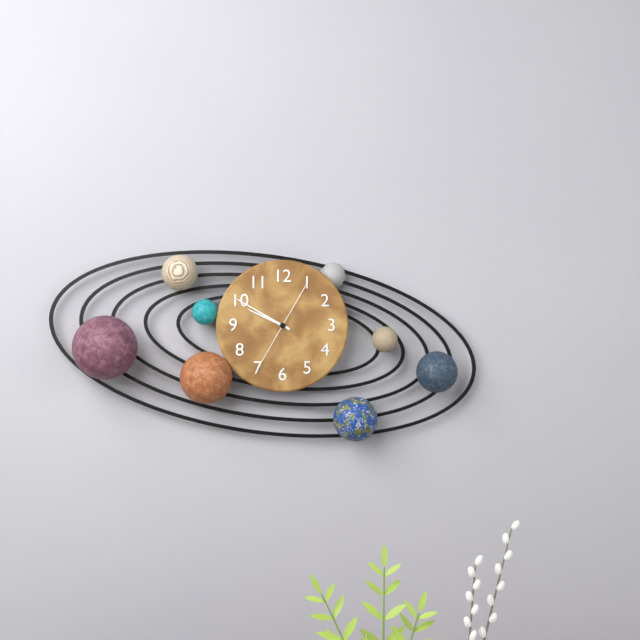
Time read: 9:50:35
